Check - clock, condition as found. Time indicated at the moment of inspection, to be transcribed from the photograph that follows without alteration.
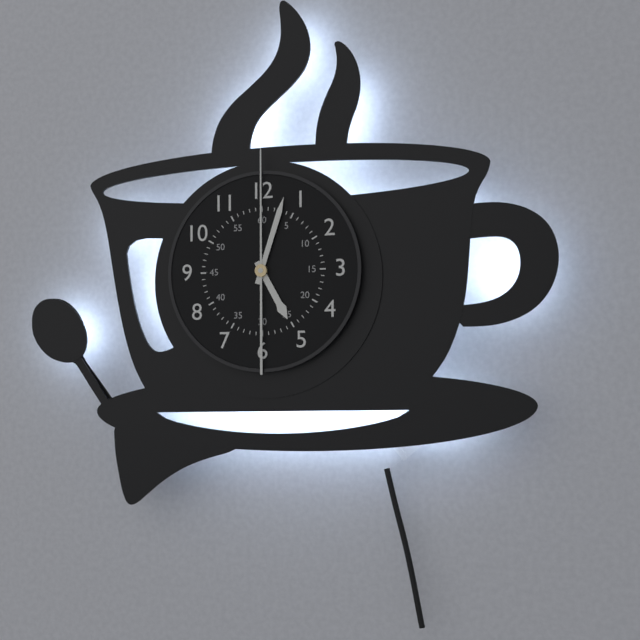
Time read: 5:03:00
